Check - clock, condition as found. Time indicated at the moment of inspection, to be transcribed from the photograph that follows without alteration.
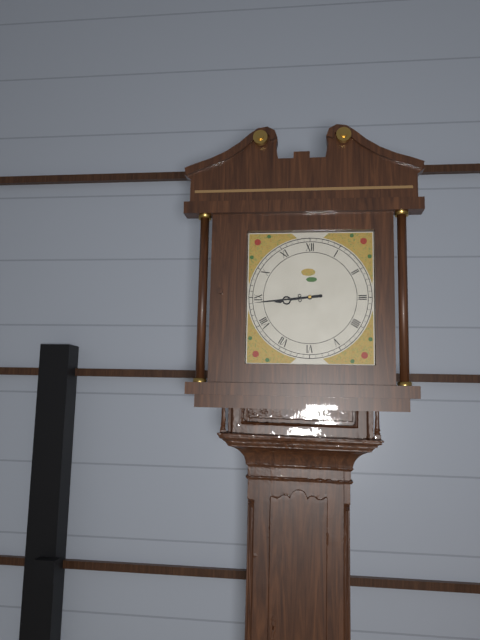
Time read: 8:44
